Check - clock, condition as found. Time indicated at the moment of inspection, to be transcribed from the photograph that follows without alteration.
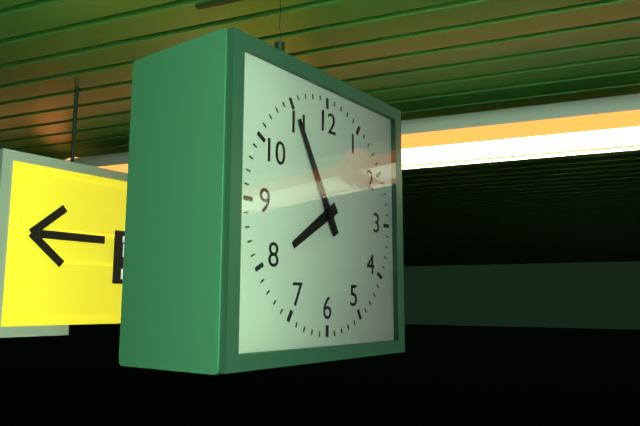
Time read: 7:55
